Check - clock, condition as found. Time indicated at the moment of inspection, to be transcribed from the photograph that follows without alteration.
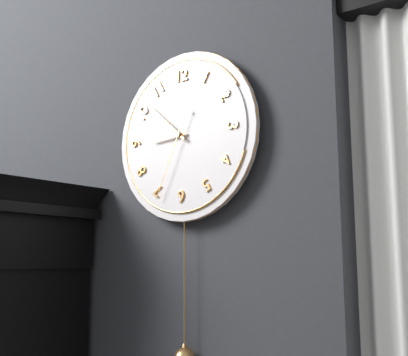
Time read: 8:52:34
